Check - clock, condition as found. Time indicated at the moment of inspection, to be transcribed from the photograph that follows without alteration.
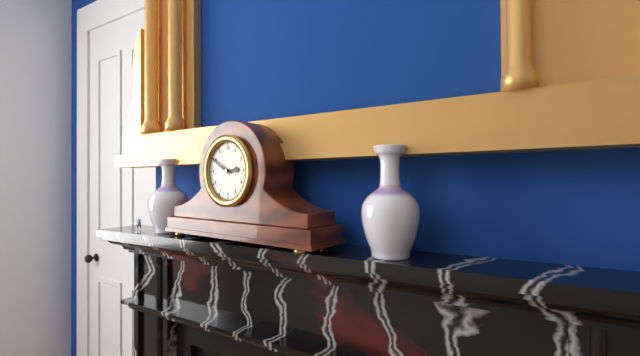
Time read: 2:50
